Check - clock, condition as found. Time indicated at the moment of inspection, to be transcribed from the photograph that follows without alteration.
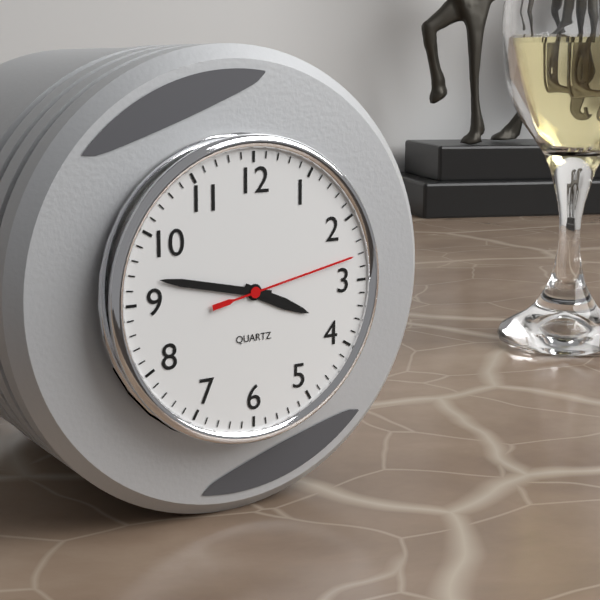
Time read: 3:47:13
